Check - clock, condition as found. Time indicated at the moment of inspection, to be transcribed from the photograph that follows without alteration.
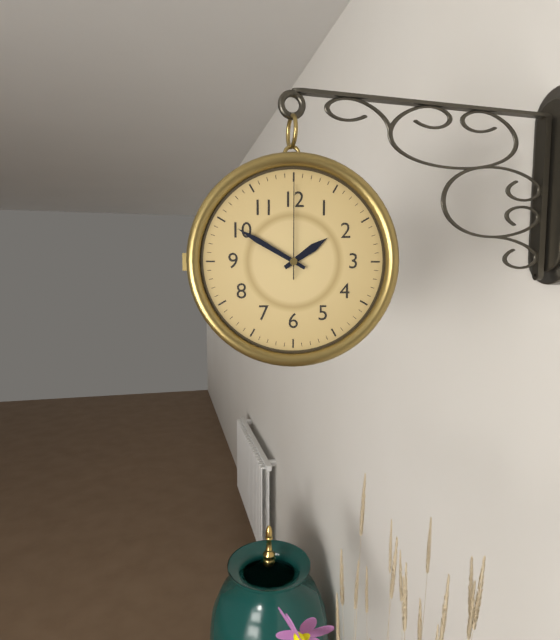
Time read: 1:50:00
